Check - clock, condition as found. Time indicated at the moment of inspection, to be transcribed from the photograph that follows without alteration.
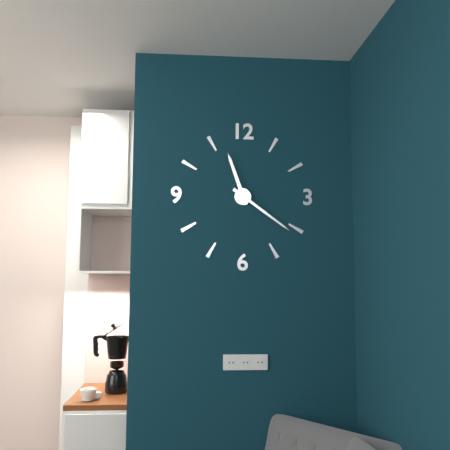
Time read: 11:21
